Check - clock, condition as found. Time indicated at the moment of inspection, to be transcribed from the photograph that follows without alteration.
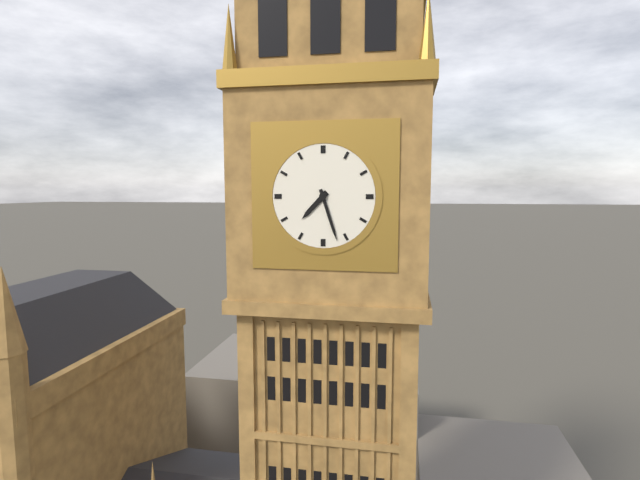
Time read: 7:27
